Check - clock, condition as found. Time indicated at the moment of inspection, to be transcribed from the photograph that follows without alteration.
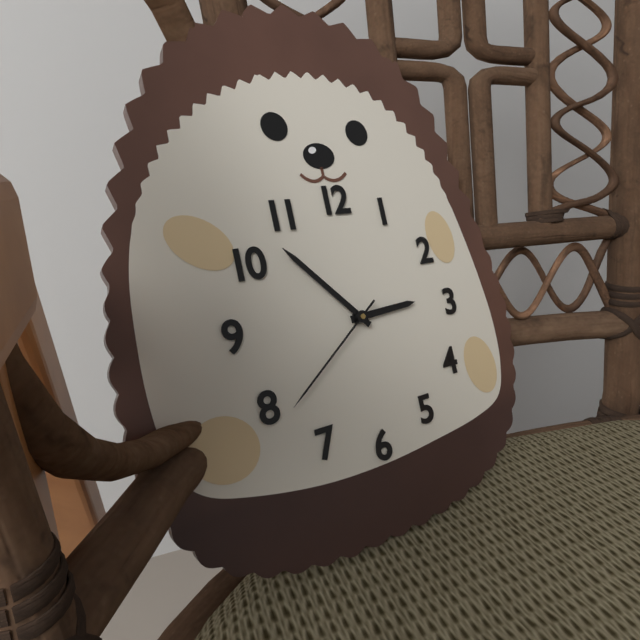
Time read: 2:53:39
